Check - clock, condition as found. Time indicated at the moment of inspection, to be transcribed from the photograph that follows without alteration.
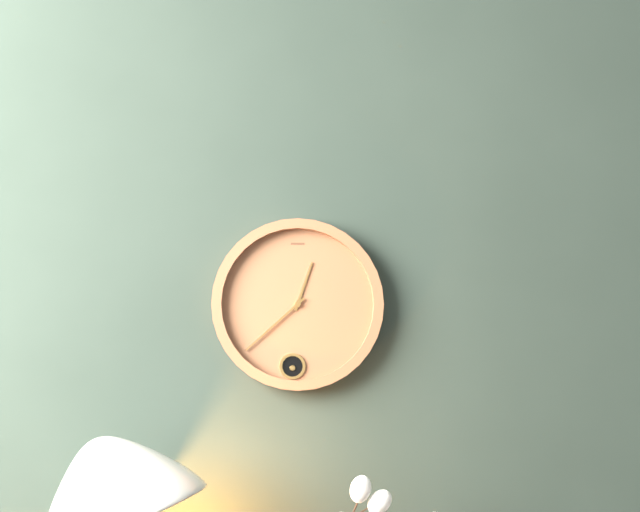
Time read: 12:38
